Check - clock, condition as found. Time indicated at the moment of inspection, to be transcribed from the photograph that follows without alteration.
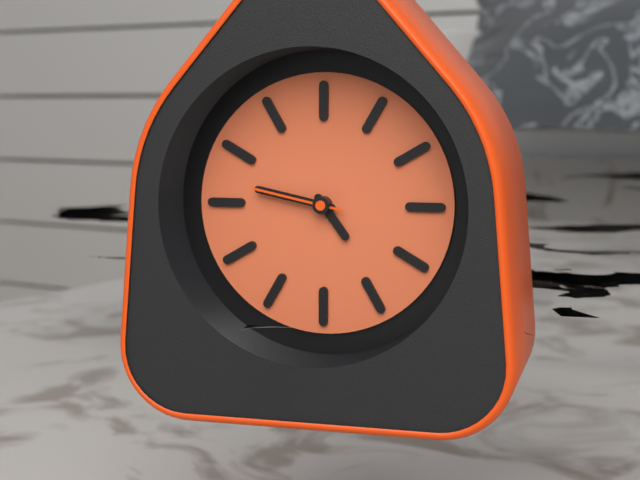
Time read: 4:47:47
